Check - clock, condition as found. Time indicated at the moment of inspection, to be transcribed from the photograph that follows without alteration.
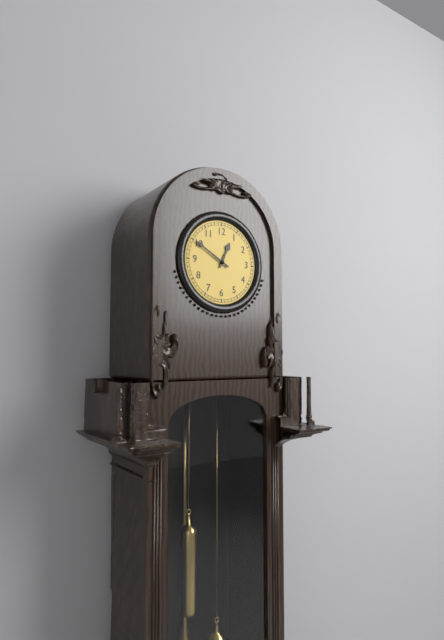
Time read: 12:50
